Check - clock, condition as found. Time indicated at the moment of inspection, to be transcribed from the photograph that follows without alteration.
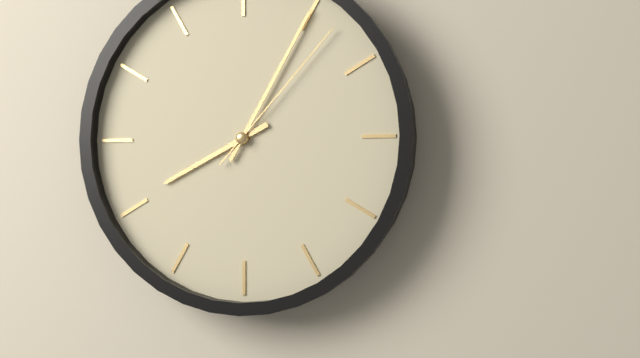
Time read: 8:05:07
